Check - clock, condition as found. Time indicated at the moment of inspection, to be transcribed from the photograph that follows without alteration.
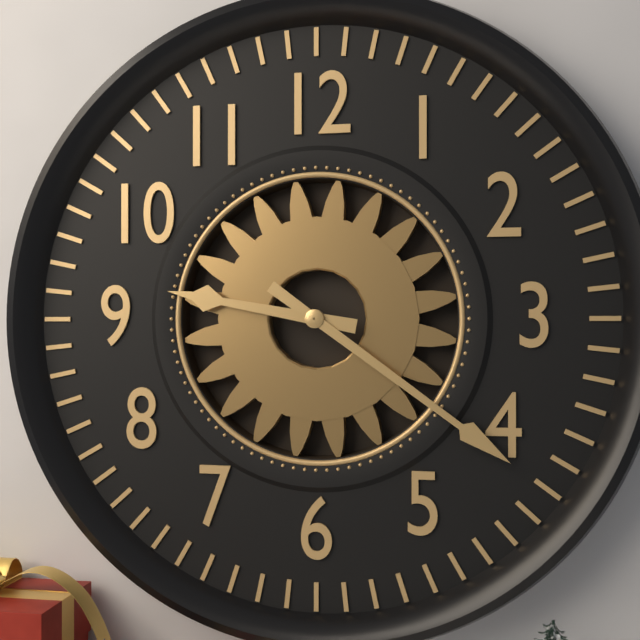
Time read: 9:21
